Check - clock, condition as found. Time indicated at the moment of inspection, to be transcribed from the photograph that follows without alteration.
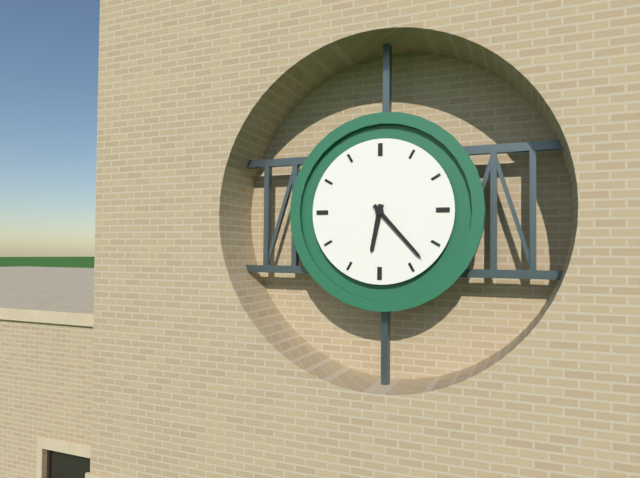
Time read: 6:23
